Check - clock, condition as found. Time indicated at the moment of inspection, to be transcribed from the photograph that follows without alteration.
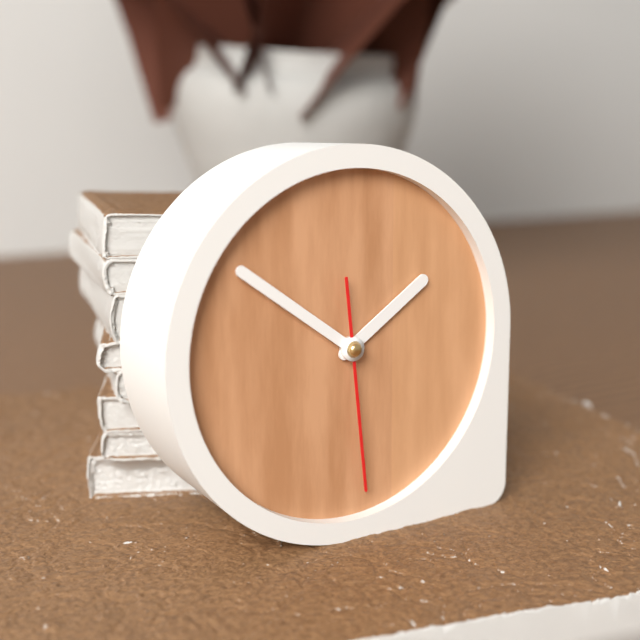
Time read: 1:51:29
